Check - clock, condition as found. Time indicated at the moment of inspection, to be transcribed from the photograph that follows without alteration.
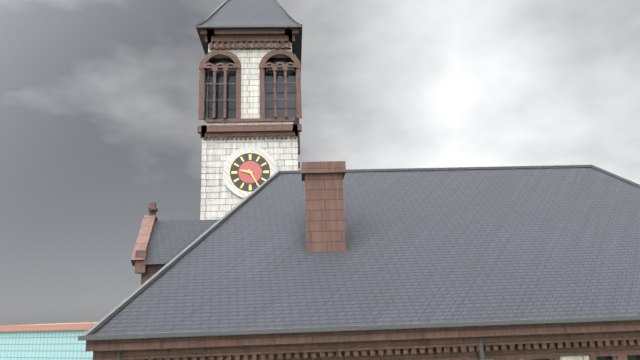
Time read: 9:25
